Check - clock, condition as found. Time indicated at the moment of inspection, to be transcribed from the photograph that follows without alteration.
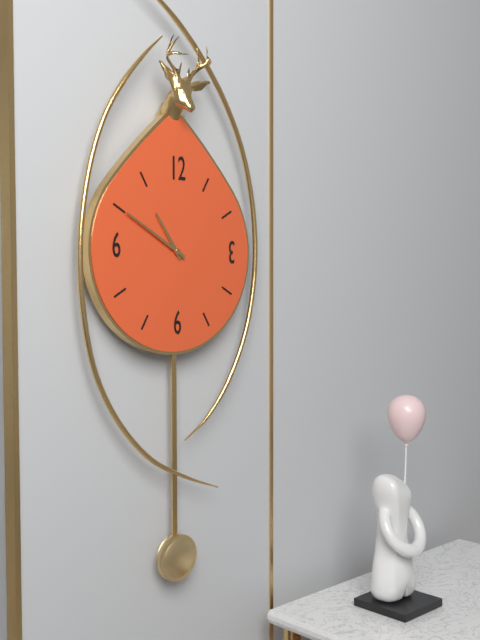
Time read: 10:50
